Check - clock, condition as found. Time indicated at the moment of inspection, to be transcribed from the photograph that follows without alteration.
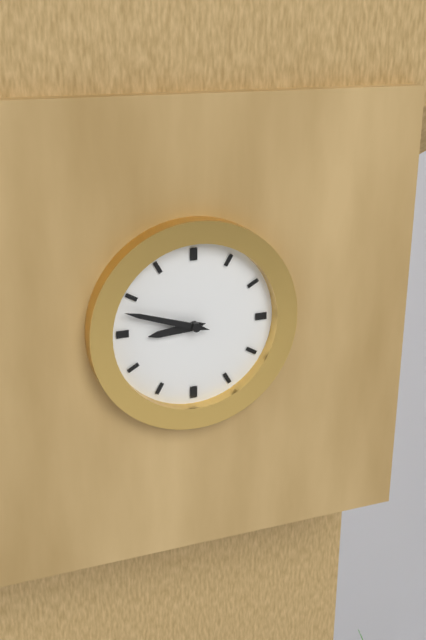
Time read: 8:48
